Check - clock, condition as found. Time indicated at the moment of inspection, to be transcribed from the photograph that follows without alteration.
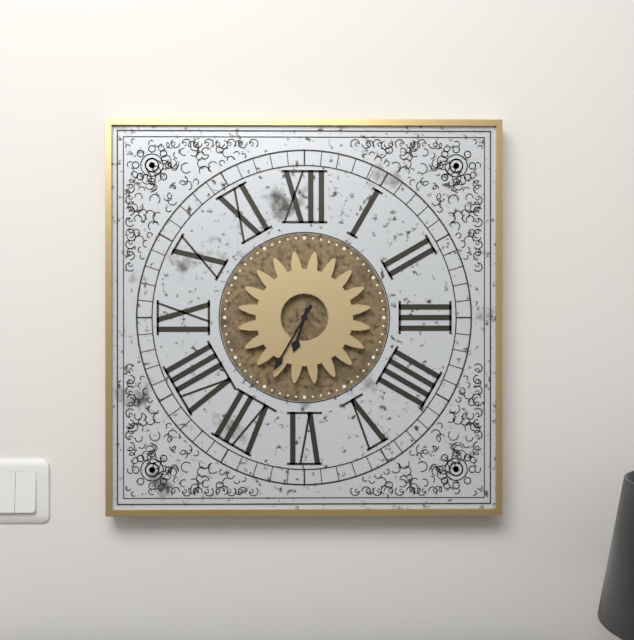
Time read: 6:35
